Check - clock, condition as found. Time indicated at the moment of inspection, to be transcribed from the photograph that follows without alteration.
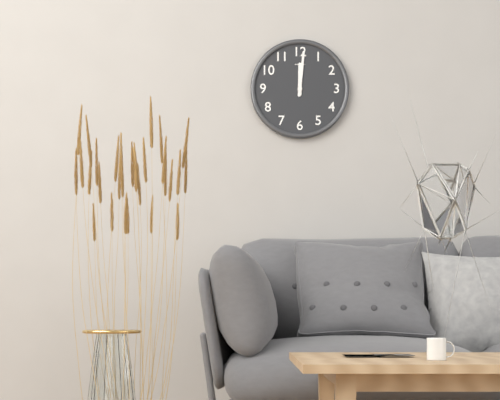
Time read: 12:01
